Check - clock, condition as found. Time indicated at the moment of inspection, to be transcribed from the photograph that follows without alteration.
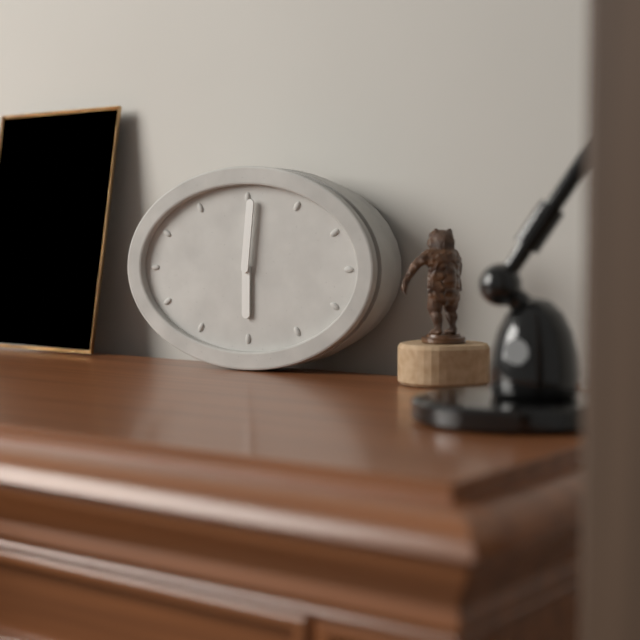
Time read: 6:01
